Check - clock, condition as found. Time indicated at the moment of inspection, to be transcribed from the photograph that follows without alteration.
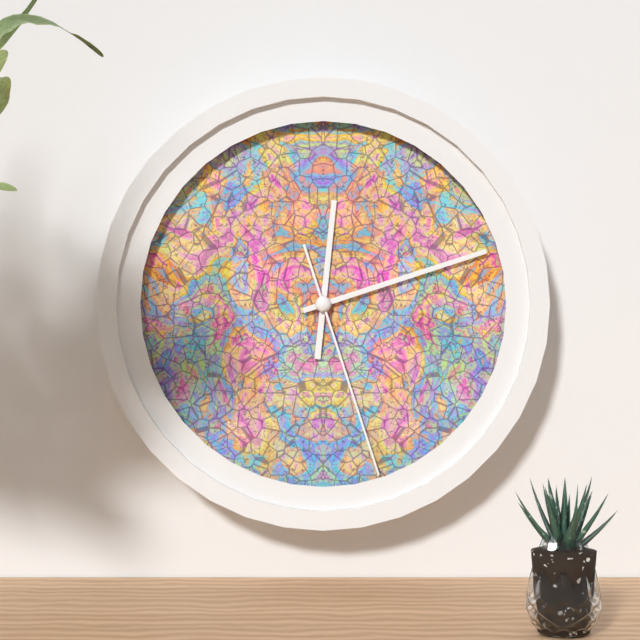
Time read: 12:12:27
